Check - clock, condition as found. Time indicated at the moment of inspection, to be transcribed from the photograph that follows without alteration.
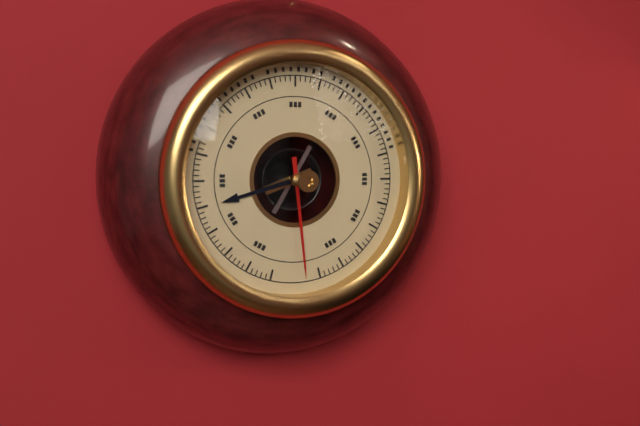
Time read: 8:29
